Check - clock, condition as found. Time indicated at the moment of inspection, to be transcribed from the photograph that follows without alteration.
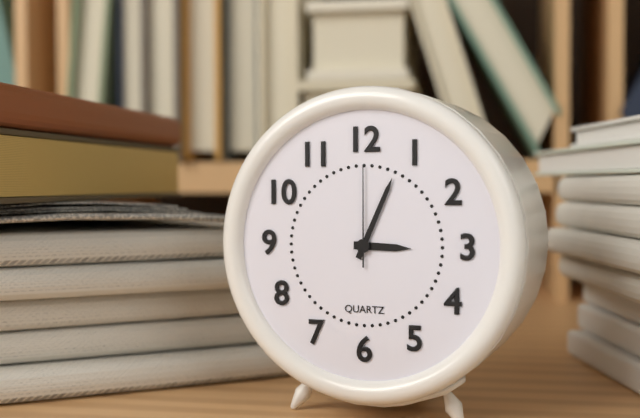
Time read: 3:04:00
